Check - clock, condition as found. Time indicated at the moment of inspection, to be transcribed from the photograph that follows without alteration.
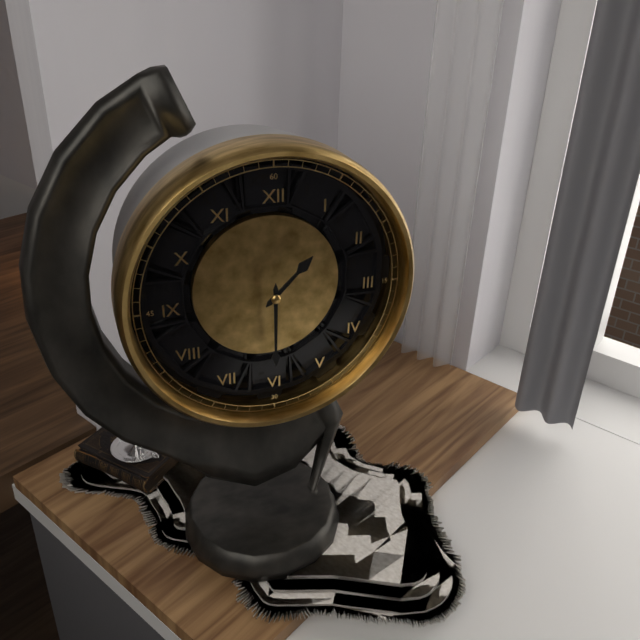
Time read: 1:30
